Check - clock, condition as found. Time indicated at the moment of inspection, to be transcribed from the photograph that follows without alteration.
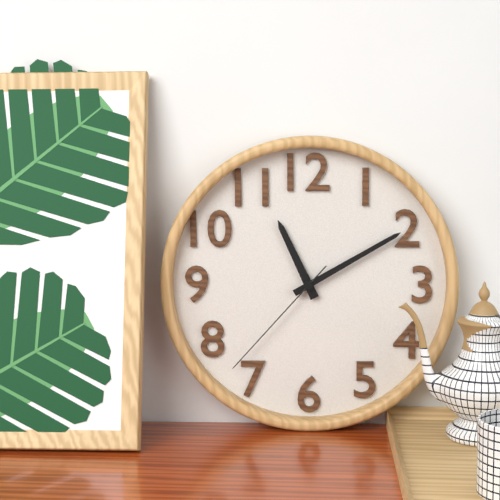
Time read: 11:10:37
